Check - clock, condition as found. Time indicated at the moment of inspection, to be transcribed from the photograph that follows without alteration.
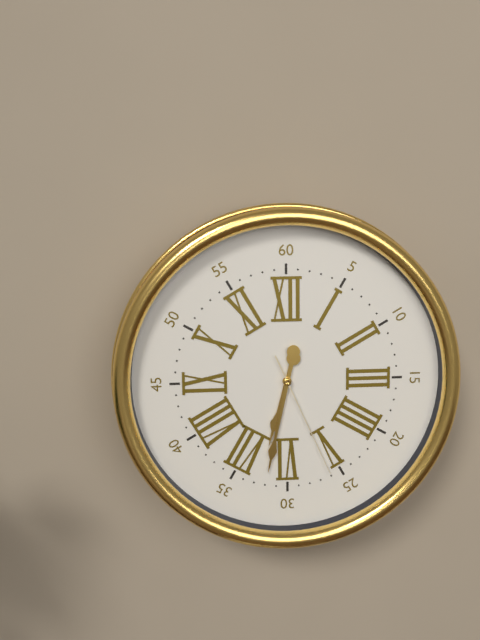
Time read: 6:32:26
